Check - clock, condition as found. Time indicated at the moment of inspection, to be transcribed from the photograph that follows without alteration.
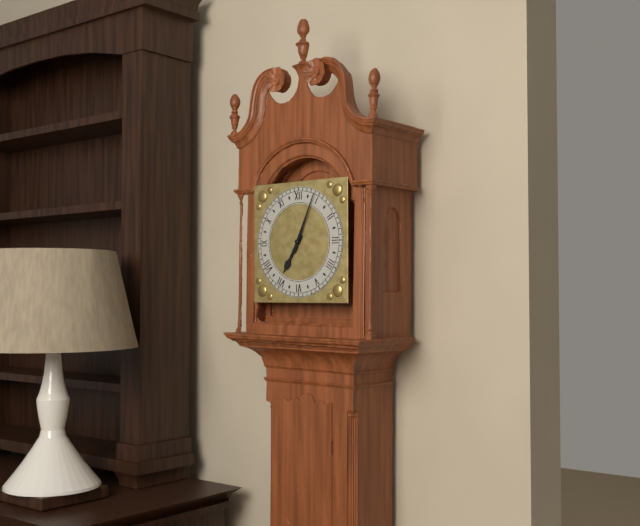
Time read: 7:04
